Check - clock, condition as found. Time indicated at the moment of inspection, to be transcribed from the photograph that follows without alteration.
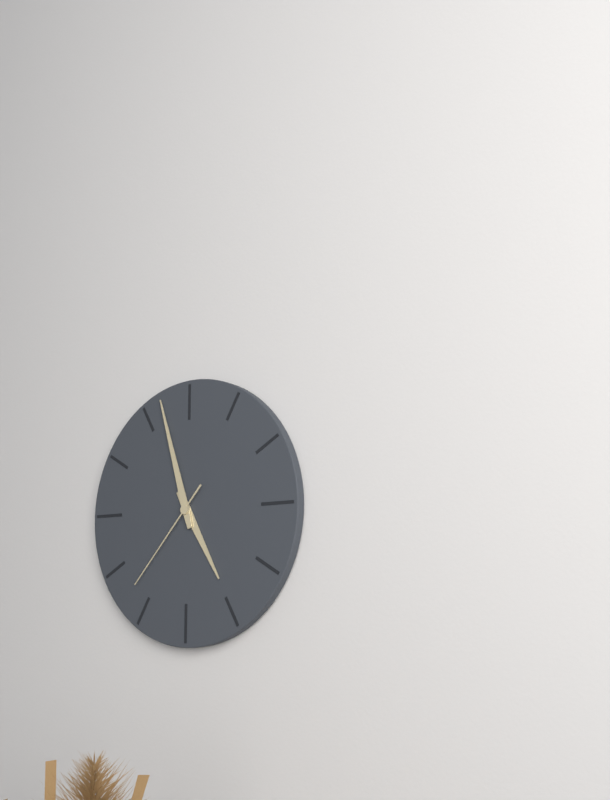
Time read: 4:57:37
